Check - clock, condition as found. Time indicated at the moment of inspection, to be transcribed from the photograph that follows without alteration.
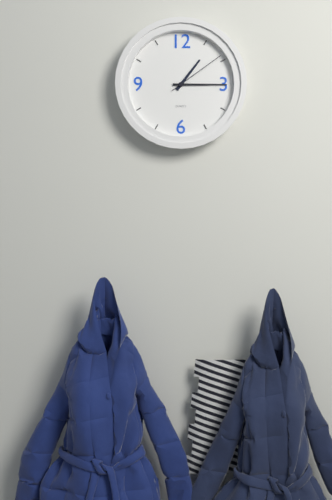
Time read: 1:15:09
